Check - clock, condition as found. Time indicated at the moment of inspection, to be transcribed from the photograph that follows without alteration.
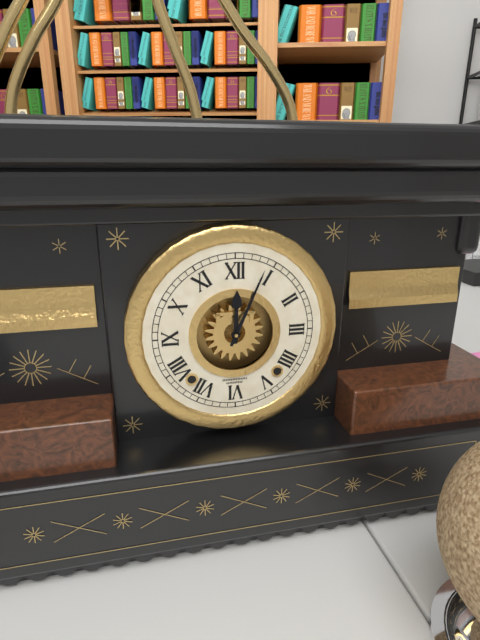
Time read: 12:04
